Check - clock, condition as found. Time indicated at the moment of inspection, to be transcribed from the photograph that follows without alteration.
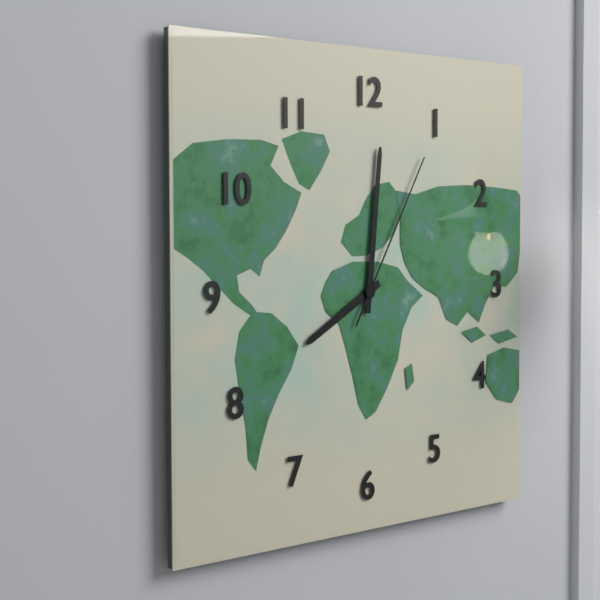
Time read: 8:01:05
